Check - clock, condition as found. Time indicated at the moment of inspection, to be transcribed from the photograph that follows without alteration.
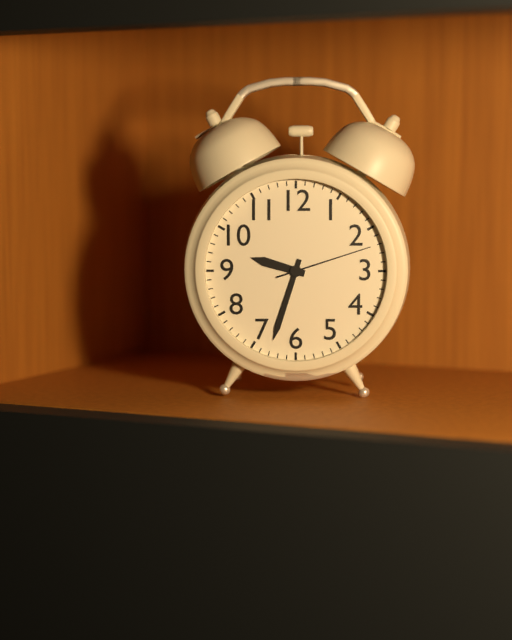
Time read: 9:33:12
